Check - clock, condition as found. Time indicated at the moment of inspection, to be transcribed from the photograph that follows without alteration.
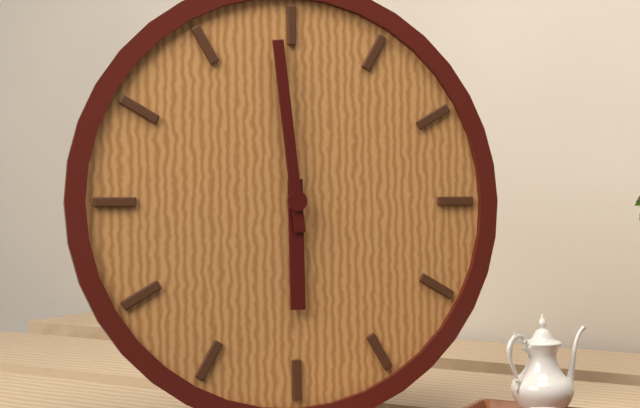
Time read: 5:59
